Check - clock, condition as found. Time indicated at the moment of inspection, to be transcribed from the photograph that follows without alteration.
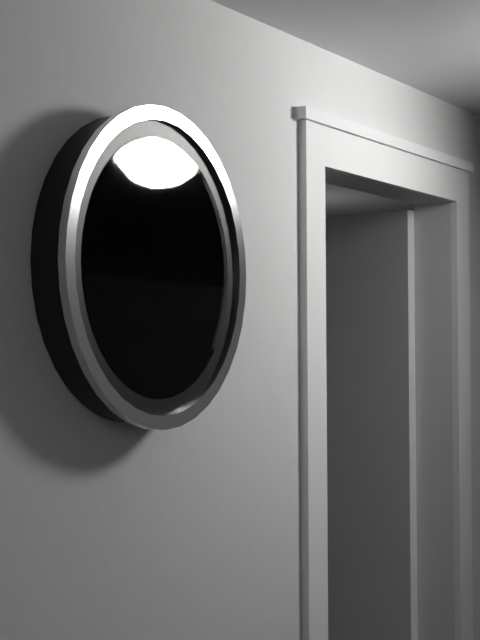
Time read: 3:22
